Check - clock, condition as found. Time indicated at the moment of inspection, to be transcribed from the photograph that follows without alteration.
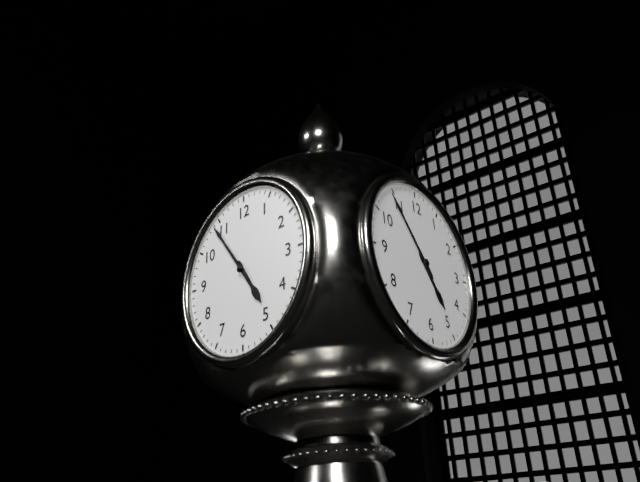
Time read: 4:54
